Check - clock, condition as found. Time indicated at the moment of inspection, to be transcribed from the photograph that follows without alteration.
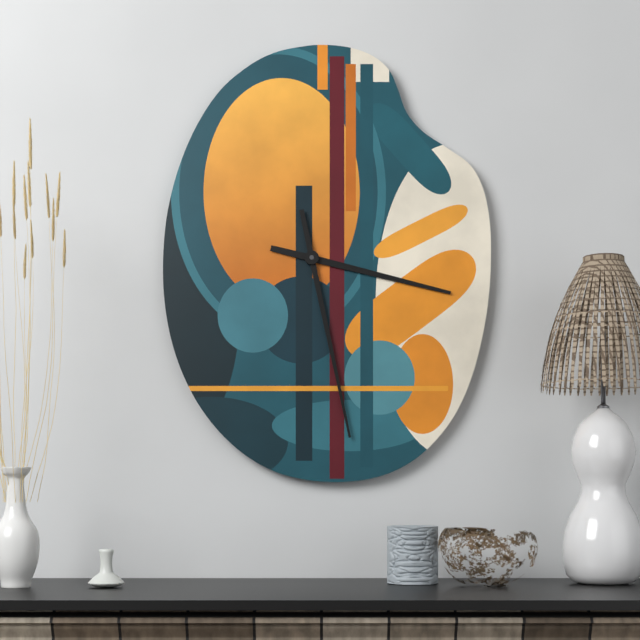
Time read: 3:28
